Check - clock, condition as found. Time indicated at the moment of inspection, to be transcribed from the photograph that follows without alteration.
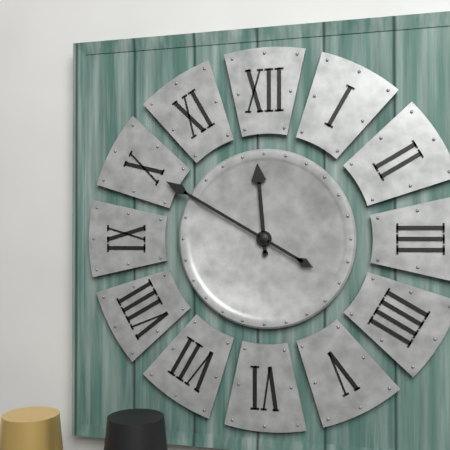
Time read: 11:50
